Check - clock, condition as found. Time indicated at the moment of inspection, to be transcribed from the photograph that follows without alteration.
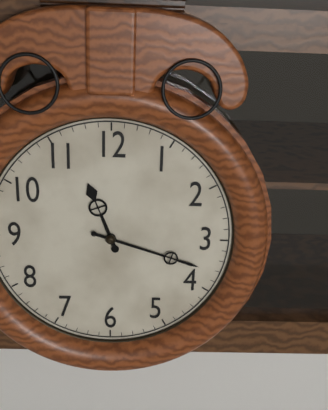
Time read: 11:18
